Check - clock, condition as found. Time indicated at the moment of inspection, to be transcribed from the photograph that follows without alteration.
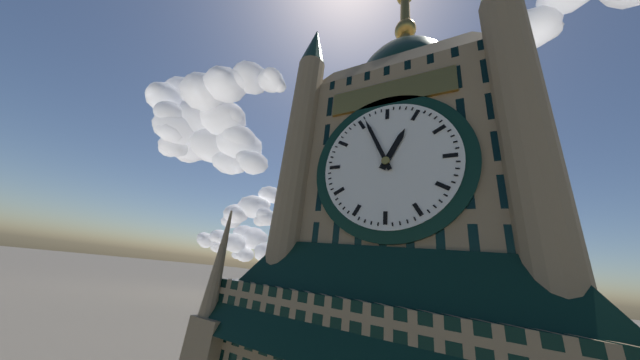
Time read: 12:56
